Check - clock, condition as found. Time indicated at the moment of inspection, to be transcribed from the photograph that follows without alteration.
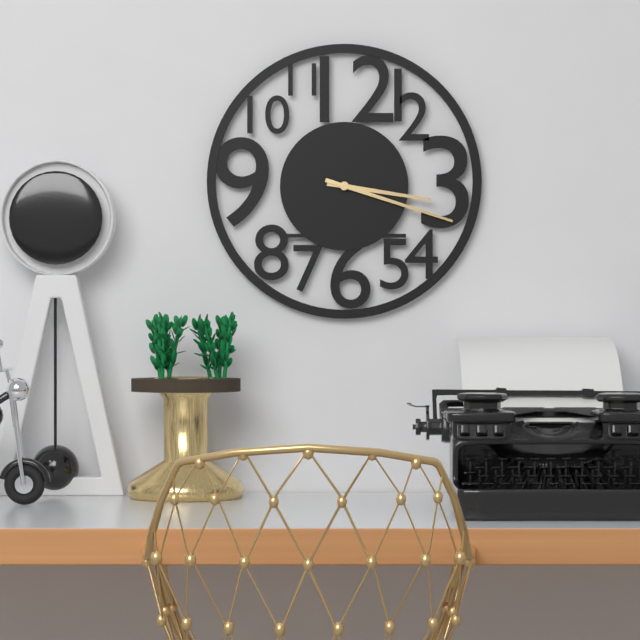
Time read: 3:18
